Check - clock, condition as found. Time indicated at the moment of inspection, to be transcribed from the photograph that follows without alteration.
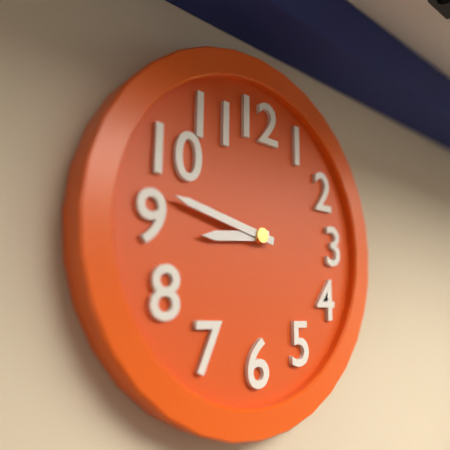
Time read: 8:47
